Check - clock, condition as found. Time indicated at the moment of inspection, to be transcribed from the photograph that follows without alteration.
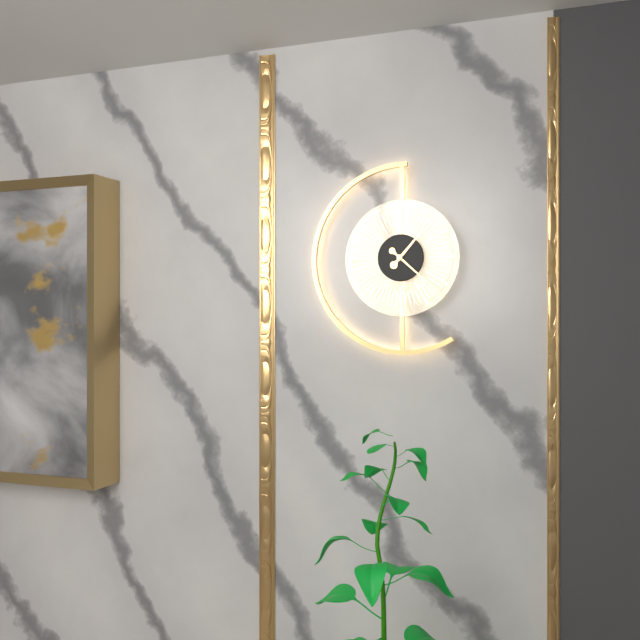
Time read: 1:22
